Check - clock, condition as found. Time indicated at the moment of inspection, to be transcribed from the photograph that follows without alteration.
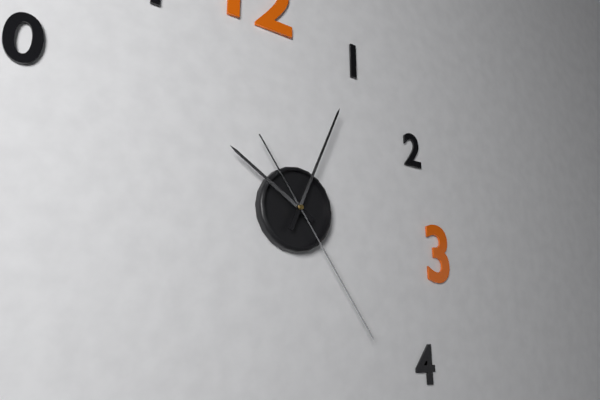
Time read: 10:04:24
